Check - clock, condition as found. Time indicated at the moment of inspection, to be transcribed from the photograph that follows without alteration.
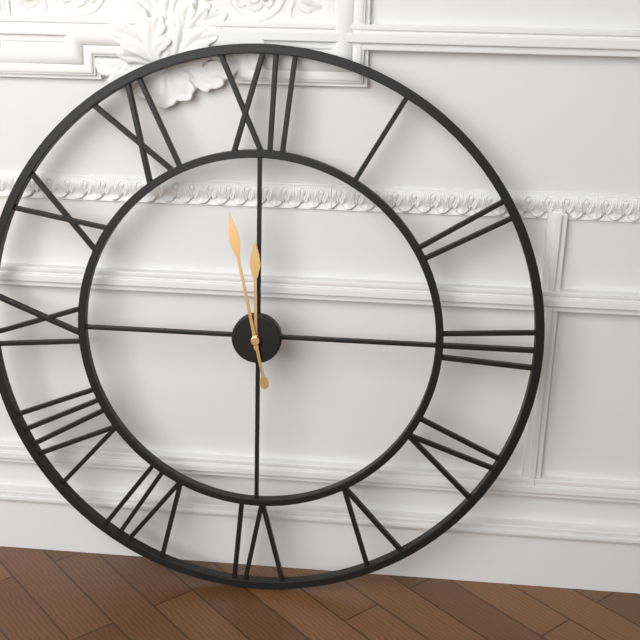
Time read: 11:58
